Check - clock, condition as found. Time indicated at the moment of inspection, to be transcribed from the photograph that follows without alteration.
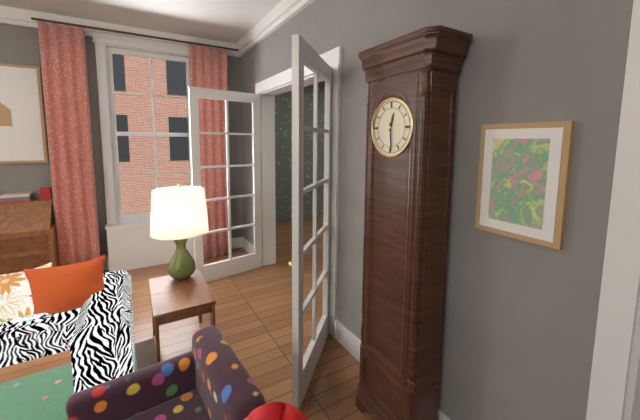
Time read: 12:29
